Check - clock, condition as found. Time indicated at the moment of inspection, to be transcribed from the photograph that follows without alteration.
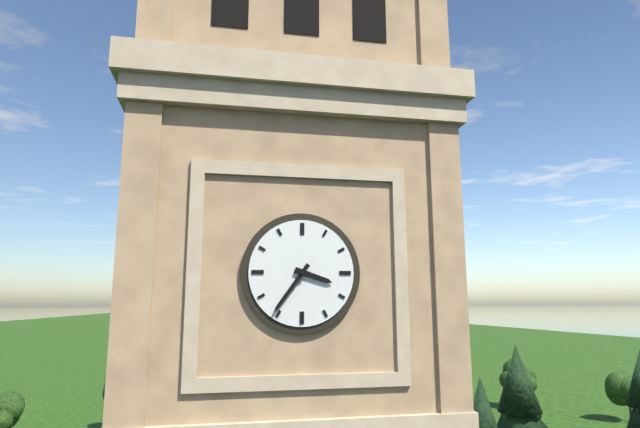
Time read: 3:36
